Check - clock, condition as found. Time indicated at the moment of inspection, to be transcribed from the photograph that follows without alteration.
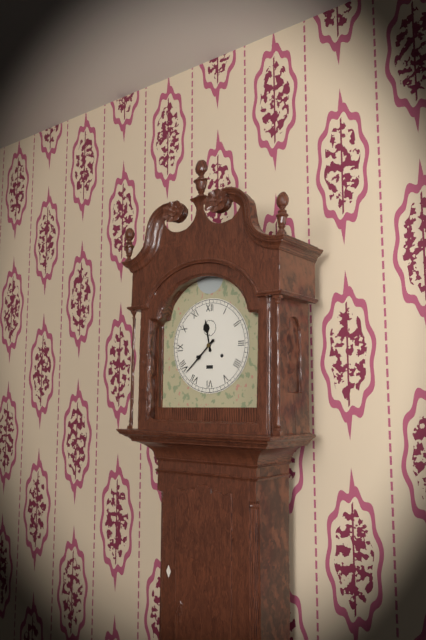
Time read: 11:38
